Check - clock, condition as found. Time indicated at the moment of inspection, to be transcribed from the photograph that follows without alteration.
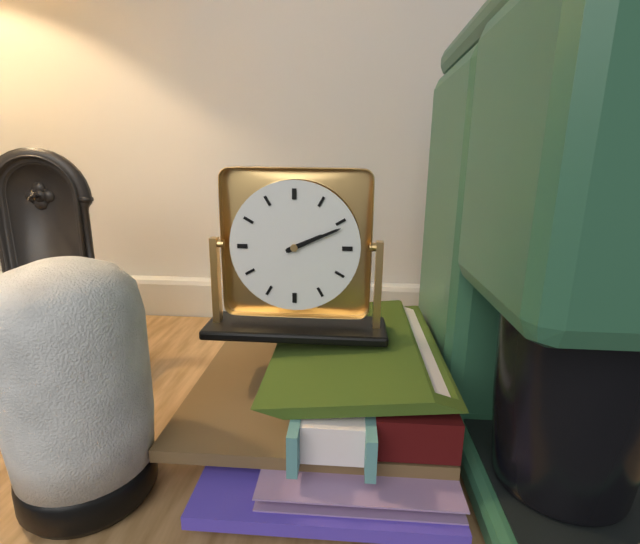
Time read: 2:11
